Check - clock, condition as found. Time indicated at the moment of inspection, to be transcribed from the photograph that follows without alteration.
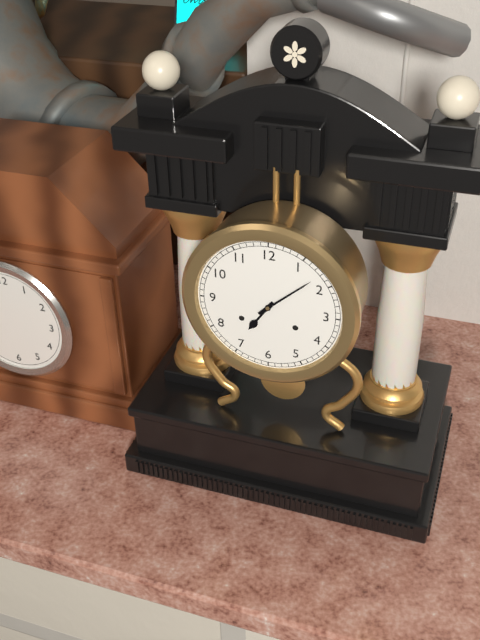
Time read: 7:08
